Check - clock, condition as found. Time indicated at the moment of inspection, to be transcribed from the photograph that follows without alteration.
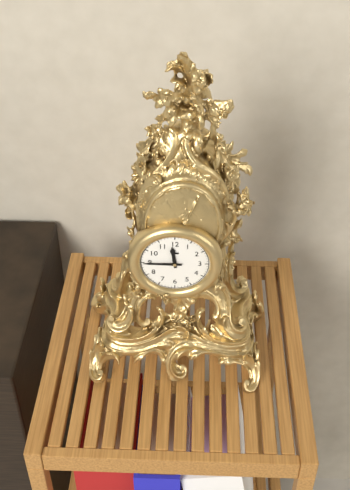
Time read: 11:45
